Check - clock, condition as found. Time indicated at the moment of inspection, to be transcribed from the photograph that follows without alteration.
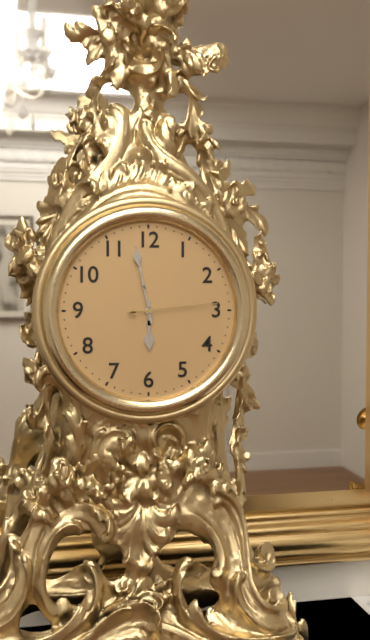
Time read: 5:58:14
